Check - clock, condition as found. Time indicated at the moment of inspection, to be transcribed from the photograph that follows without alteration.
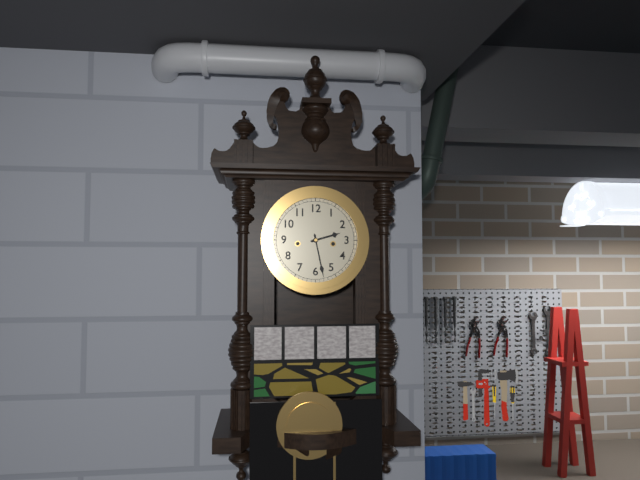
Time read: 2:28
